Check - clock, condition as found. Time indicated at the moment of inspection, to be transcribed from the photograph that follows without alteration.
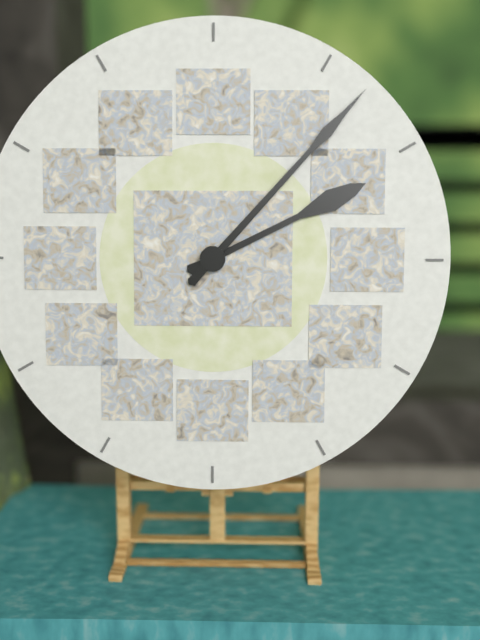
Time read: 2:07
